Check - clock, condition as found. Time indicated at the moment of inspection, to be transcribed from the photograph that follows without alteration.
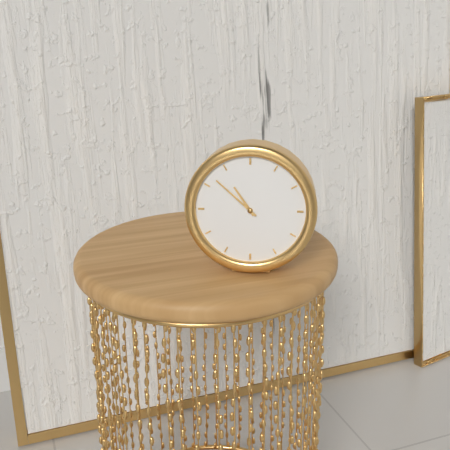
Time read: 10:52
